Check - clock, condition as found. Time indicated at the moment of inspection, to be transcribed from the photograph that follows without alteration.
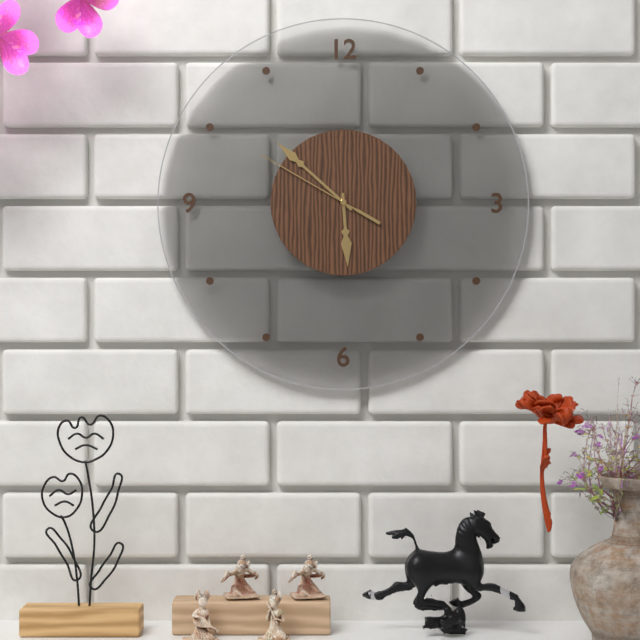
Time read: 5:52:50
